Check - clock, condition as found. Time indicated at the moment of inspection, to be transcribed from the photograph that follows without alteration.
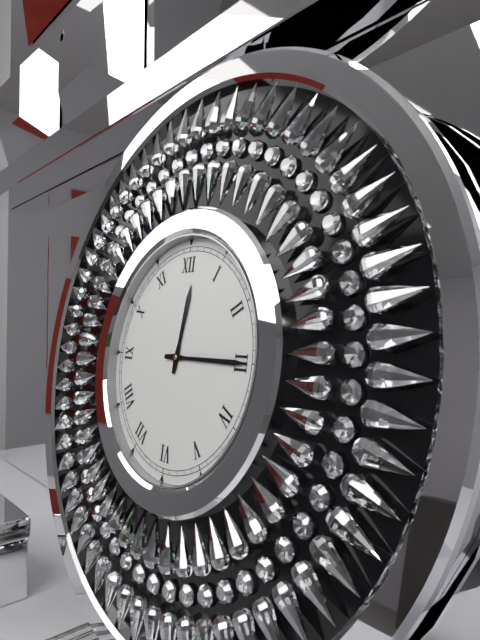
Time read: 12:15
